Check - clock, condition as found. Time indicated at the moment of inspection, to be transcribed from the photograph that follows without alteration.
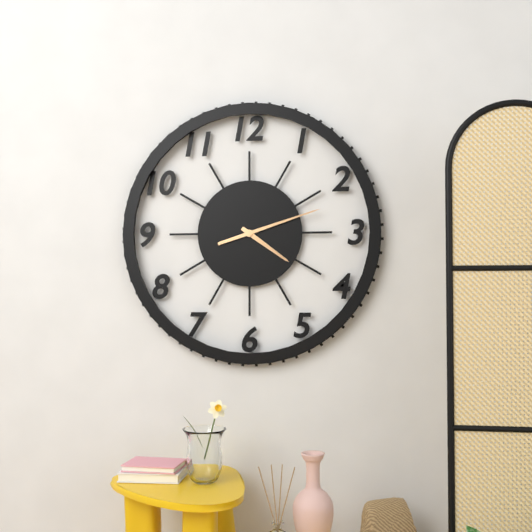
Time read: 4:12
